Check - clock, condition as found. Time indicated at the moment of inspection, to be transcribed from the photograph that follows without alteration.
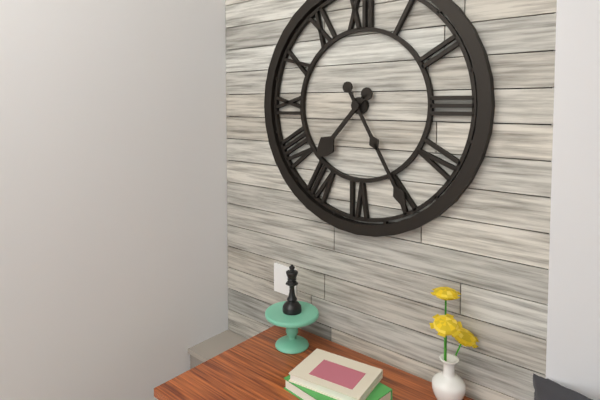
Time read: 7:25
